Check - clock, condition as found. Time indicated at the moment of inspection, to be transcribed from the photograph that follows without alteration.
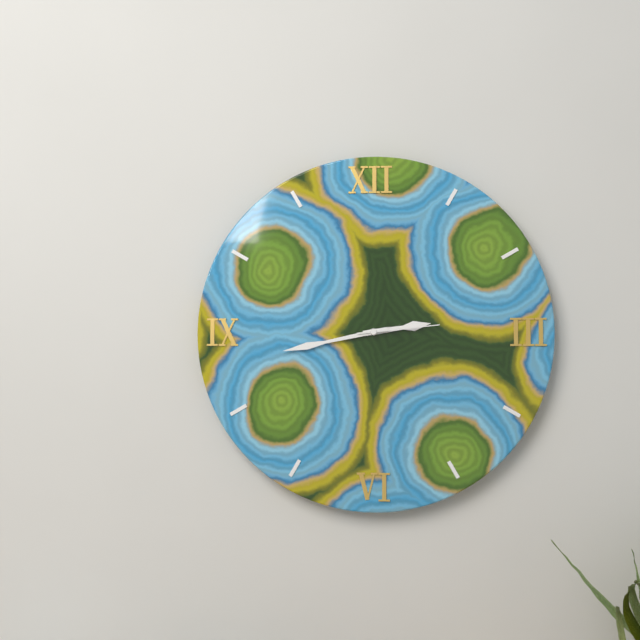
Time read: 2:43:14
